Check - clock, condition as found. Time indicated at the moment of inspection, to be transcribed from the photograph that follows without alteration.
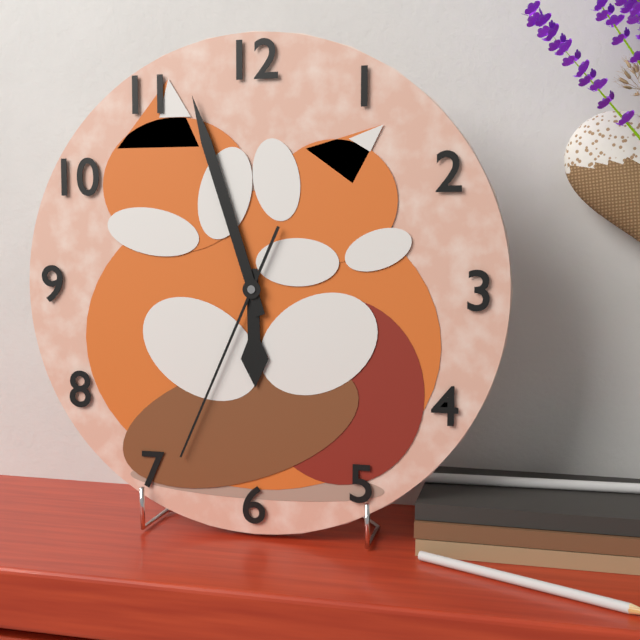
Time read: 5:57:34
